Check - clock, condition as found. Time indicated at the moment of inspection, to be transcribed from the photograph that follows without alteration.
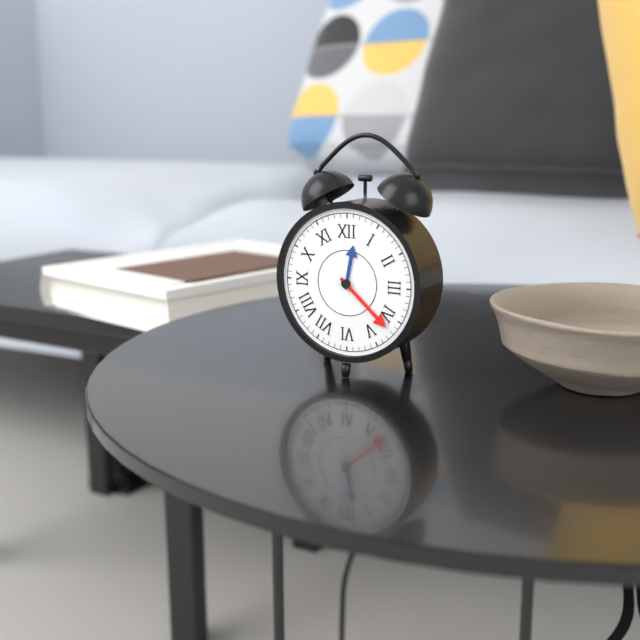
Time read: 12:22
